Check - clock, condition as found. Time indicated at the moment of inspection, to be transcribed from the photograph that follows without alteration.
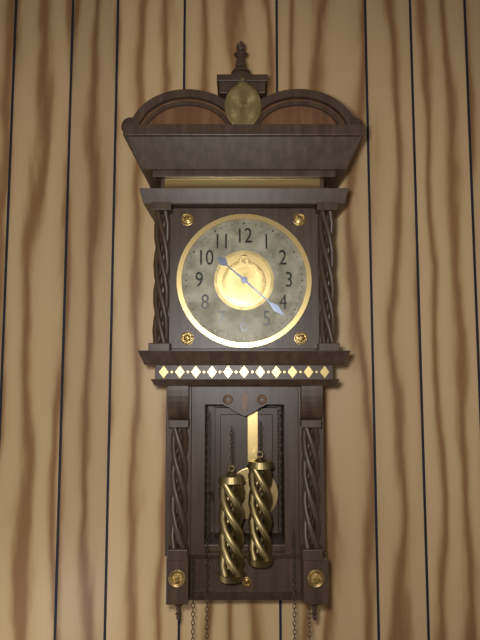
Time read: 10:22
